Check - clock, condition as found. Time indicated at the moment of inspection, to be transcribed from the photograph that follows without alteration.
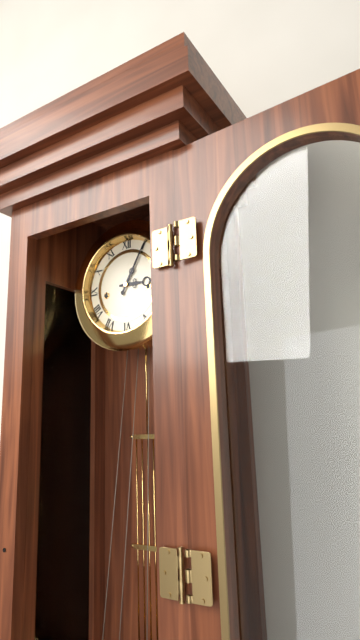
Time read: 3:05
